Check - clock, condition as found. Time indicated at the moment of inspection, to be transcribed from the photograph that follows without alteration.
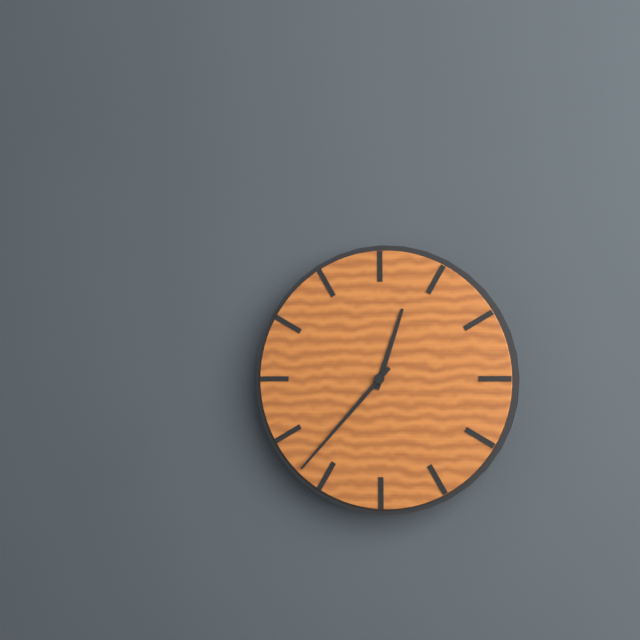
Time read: 12:37
